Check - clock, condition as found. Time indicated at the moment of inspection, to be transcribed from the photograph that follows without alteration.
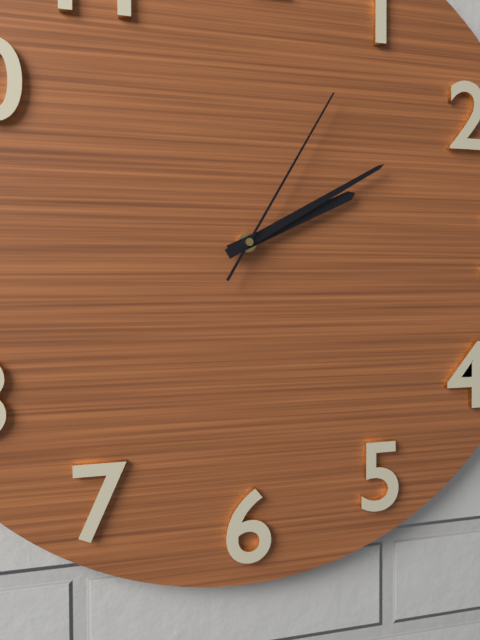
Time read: 2:10:05
